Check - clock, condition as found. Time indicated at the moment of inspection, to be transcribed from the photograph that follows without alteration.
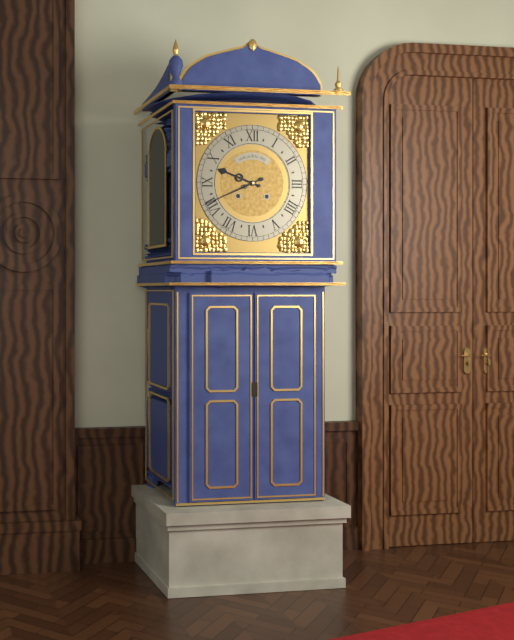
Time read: 9:41
